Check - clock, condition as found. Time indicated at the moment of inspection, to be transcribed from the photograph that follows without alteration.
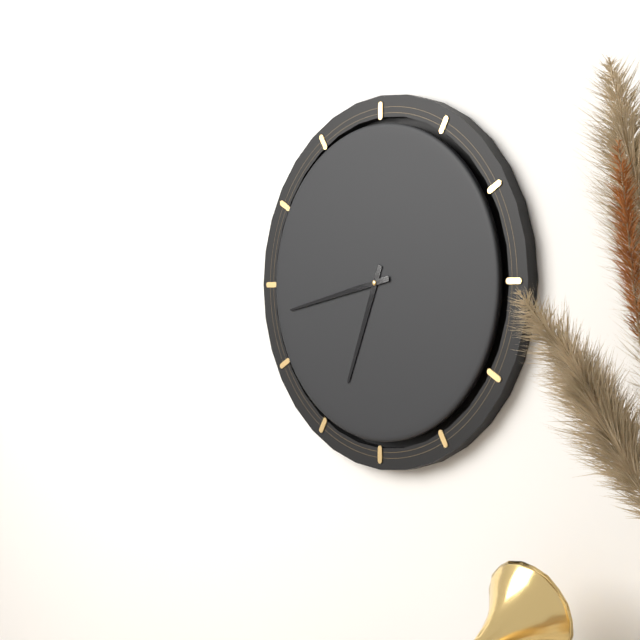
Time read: 6:43
